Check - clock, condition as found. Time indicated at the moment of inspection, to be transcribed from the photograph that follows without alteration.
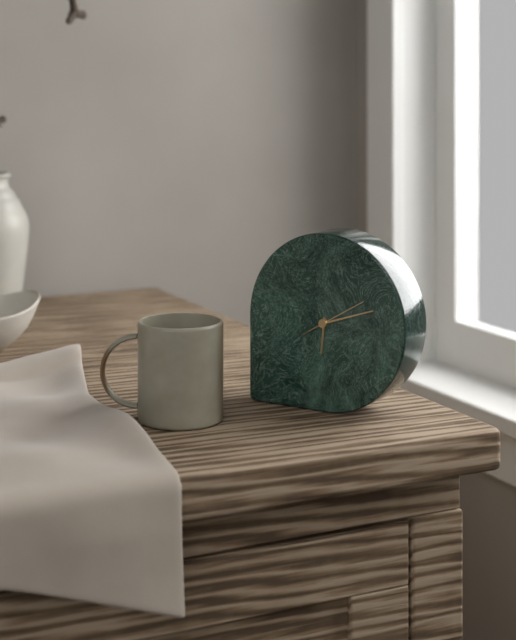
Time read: 6:12:10
